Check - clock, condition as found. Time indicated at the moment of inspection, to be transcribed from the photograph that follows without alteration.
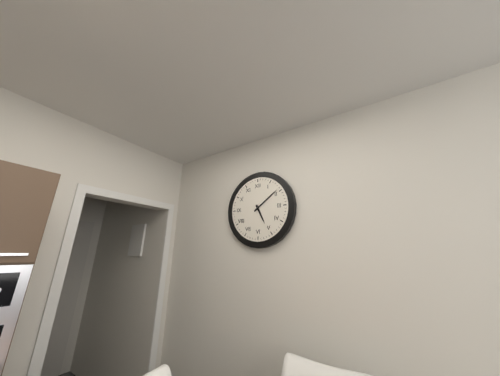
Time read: 5:09
